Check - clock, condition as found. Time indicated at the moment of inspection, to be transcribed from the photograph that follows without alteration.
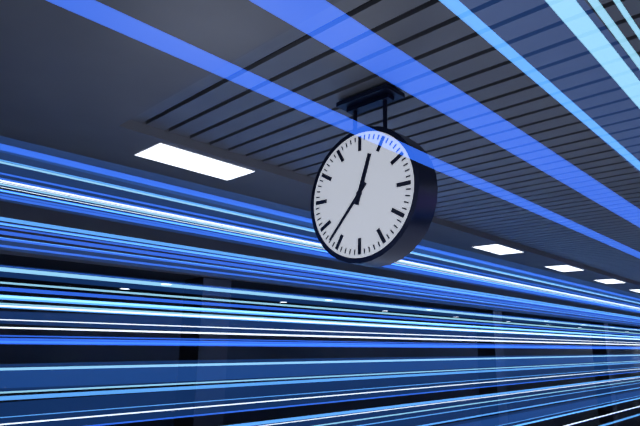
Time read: 12:37
